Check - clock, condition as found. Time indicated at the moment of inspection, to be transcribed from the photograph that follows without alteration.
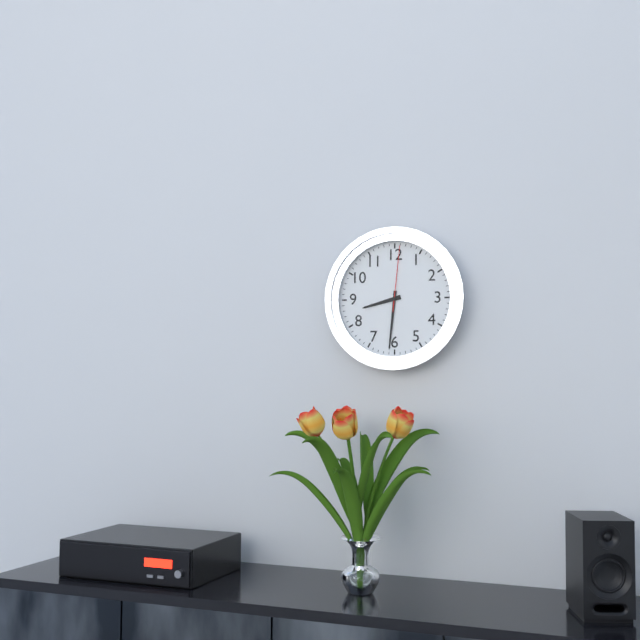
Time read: 8:31:01
